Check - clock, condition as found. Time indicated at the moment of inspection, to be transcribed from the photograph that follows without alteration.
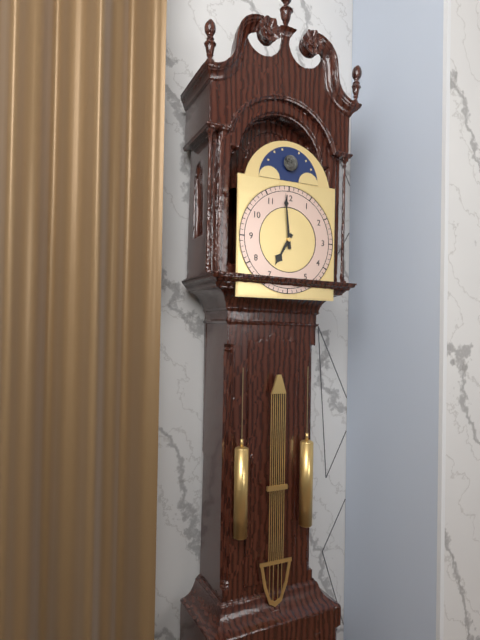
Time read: 6:59
